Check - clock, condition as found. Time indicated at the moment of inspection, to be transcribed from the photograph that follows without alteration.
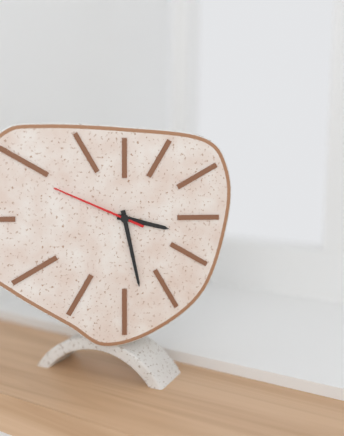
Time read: 3:28:49
